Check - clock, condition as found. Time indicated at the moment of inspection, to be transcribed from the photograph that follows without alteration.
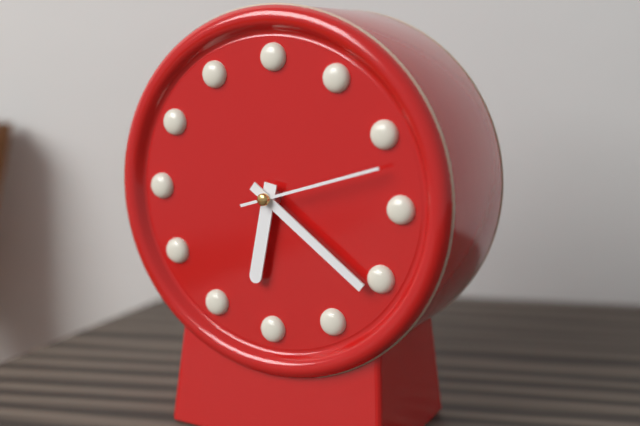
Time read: 6:21:12
